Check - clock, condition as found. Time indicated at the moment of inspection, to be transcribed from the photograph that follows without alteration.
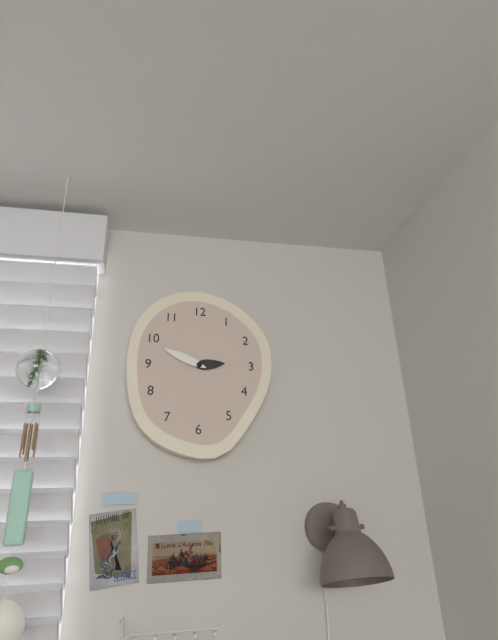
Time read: 2:49
